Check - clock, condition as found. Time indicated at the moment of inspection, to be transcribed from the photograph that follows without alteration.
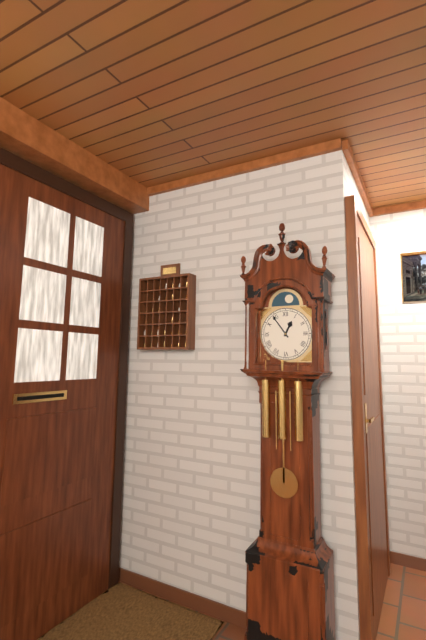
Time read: 12:54
